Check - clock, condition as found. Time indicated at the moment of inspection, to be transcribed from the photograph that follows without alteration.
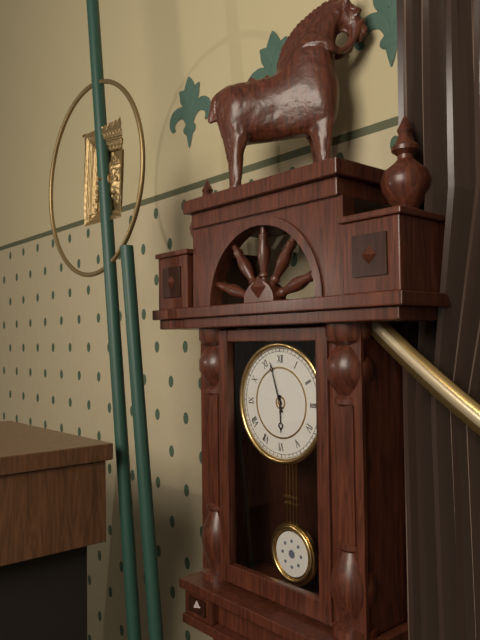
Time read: 5:57
